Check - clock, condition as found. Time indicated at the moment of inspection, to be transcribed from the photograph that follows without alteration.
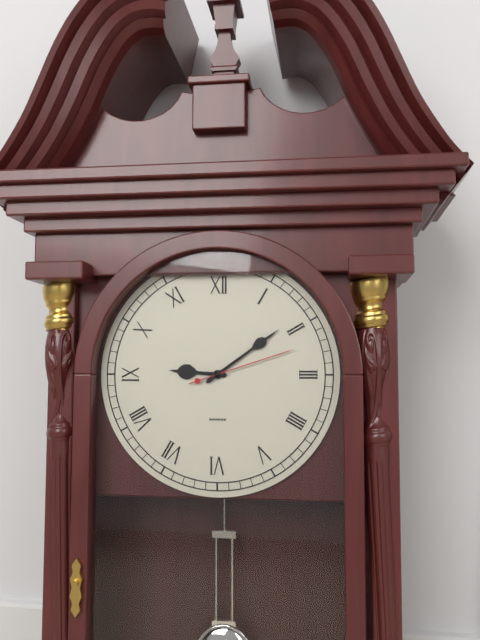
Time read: 9:09:12
